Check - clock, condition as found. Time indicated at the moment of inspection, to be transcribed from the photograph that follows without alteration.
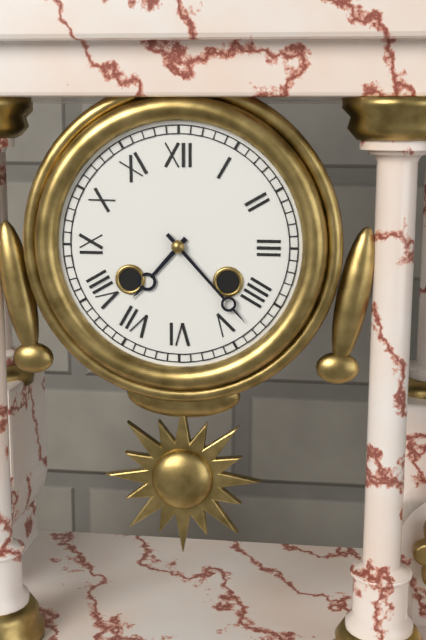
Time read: 7:23
